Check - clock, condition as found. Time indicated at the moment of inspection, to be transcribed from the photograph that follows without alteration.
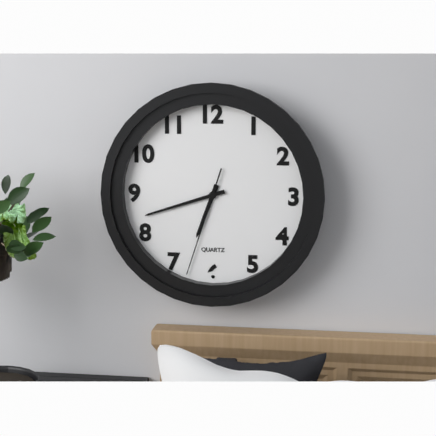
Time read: 6:42:33
